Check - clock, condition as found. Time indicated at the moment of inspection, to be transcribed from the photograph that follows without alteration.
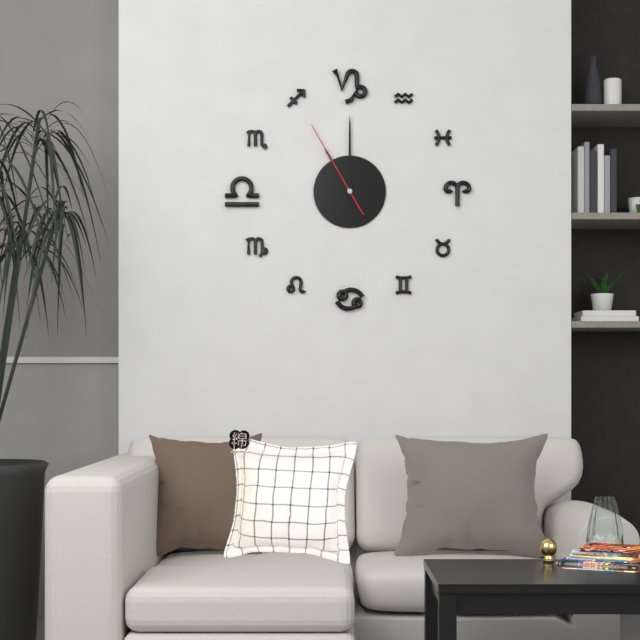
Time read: 11:00:55
